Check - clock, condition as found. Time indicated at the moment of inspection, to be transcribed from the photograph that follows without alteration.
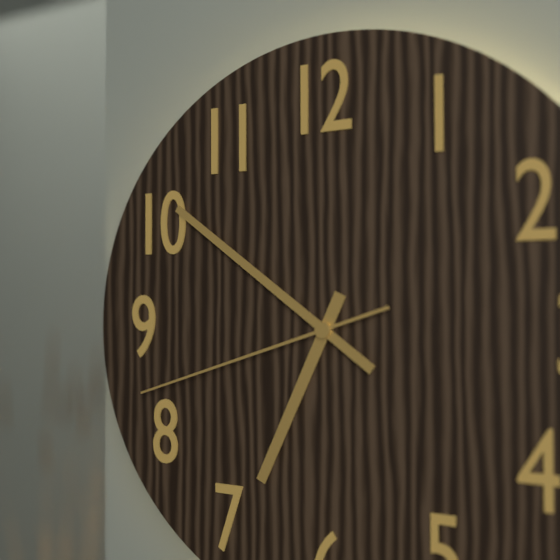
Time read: 6:51:42
